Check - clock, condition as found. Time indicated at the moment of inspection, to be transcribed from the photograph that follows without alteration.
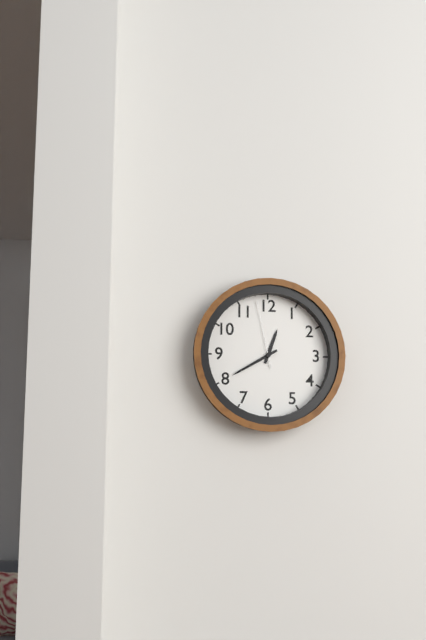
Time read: 12:40:58
